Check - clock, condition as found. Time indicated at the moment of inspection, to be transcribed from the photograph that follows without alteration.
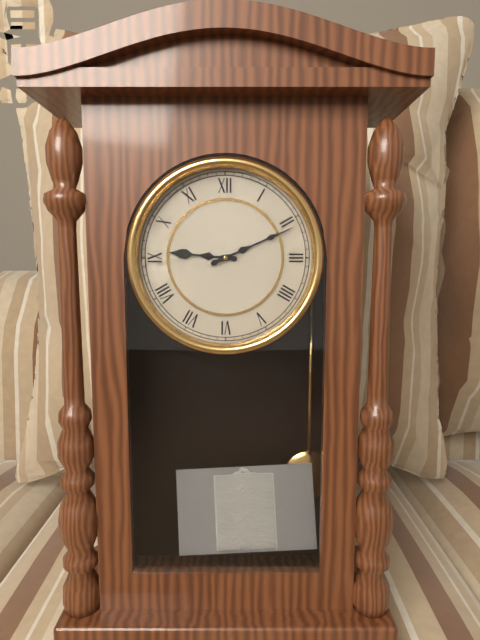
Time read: 9:11
